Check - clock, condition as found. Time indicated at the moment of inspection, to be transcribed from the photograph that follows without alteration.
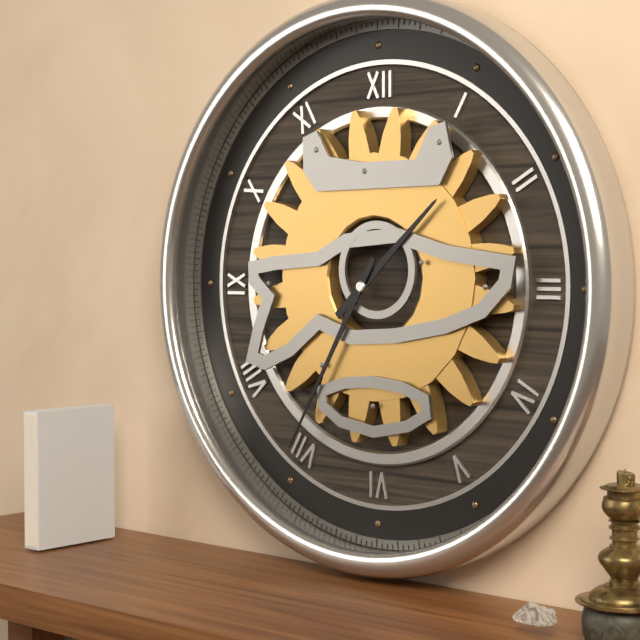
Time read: 1:35
